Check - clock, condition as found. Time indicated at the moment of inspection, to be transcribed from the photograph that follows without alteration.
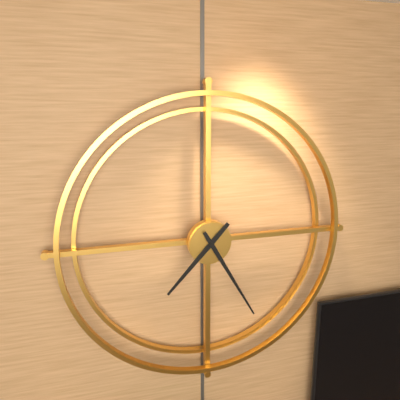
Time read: 7:25
